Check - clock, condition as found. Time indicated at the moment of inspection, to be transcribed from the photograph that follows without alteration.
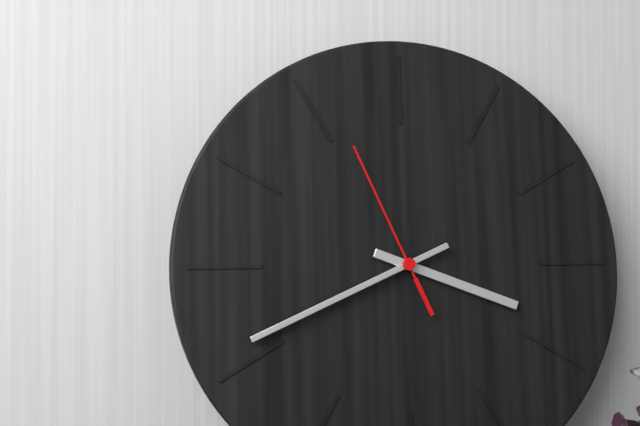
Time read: 3:41:56
